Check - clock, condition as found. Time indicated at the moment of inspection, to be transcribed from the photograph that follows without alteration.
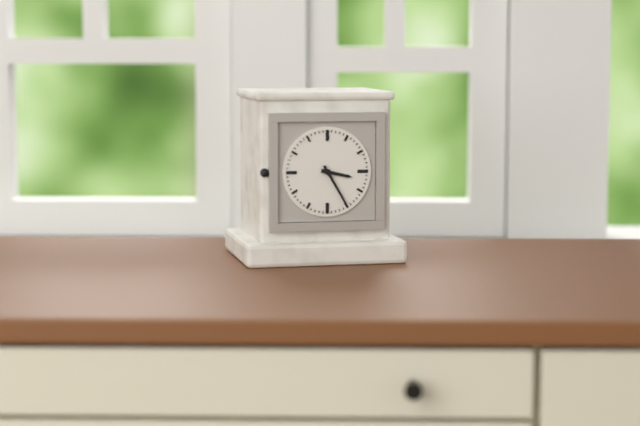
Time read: 3:25
